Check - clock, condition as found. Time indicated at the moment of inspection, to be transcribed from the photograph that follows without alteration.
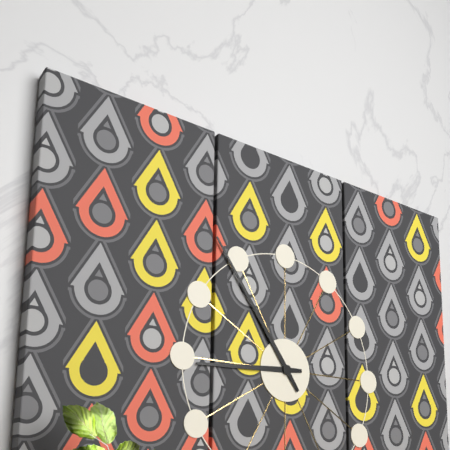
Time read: 8:54
